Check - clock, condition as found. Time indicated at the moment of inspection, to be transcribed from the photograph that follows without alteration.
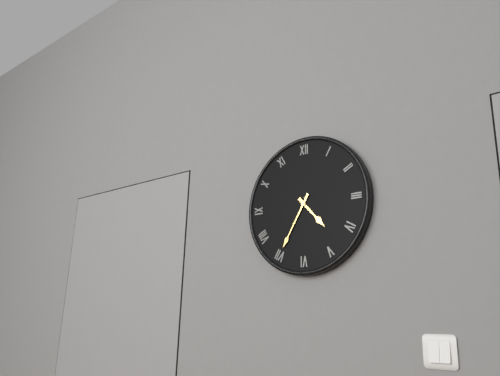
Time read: 4:35
